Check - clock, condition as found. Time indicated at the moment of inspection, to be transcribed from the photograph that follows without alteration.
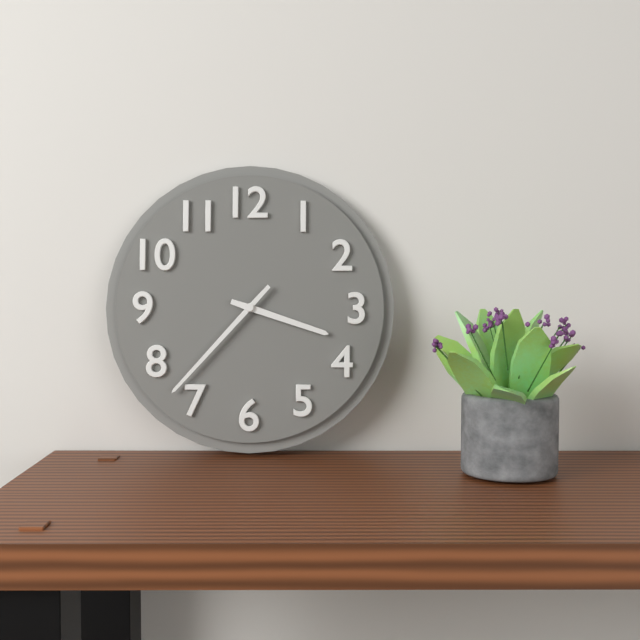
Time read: 3:37
